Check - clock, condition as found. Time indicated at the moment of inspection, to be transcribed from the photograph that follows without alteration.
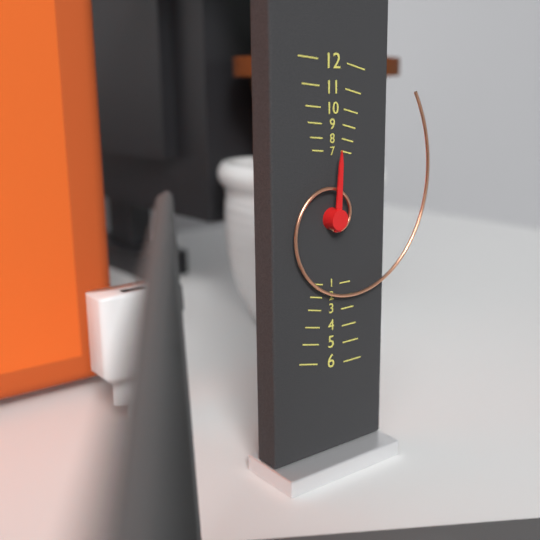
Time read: 12:07
